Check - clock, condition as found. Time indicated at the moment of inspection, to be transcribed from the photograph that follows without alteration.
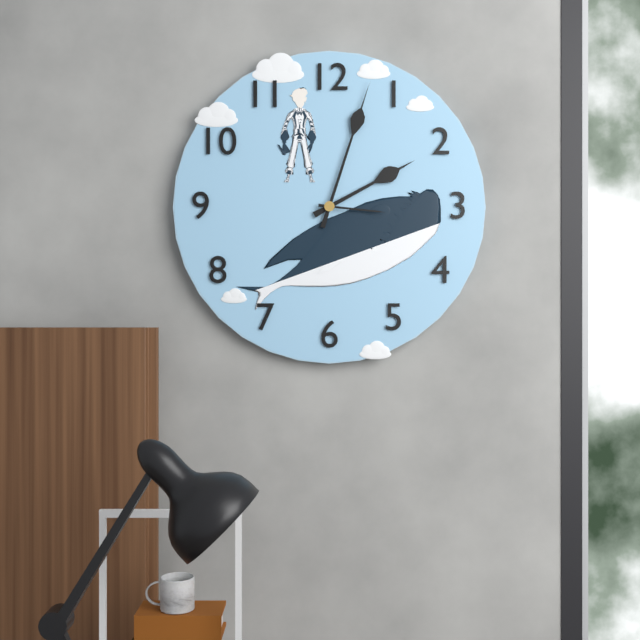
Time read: 2:03:16
